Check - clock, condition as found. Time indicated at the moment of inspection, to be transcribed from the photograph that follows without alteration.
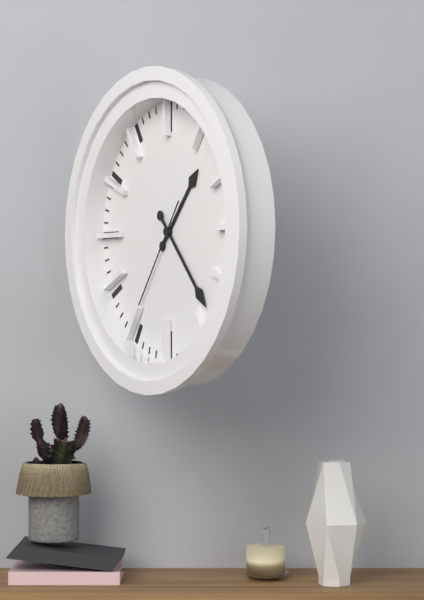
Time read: 1:23:36
